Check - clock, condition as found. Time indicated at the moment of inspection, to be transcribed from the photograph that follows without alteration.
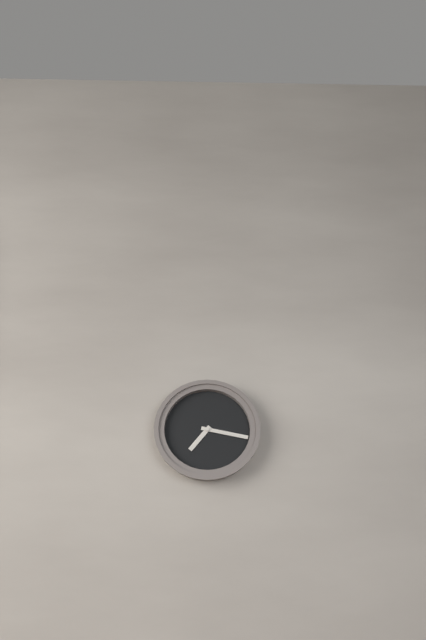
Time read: 7:17
